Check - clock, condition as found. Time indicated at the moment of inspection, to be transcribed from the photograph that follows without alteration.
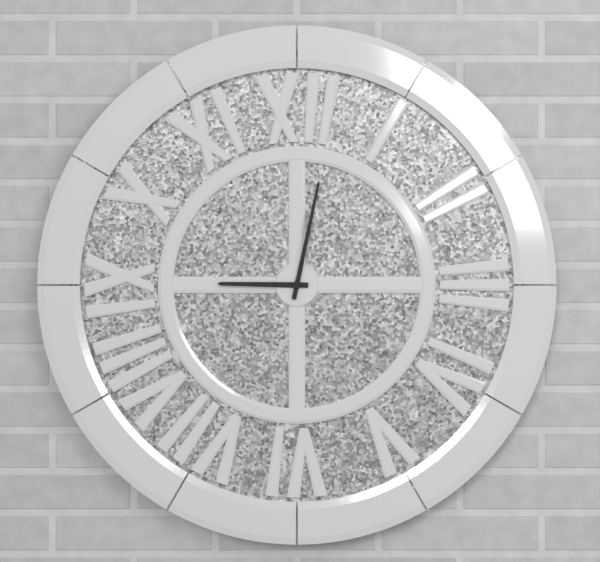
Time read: 9:02
